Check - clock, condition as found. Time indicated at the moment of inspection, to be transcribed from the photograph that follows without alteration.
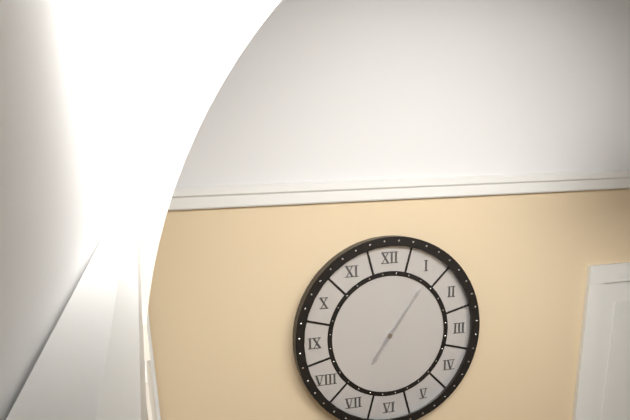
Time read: 7:06
